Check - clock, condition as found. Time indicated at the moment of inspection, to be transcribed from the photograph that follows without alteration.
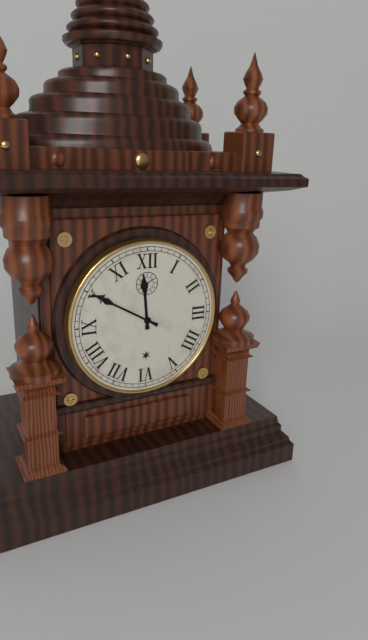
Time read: 11:50
